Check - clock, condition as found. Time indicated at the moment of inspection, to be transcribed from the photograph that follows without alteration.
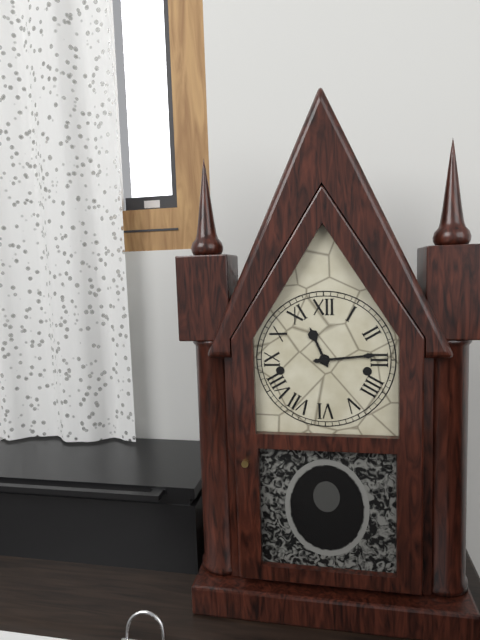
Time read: 11:14
